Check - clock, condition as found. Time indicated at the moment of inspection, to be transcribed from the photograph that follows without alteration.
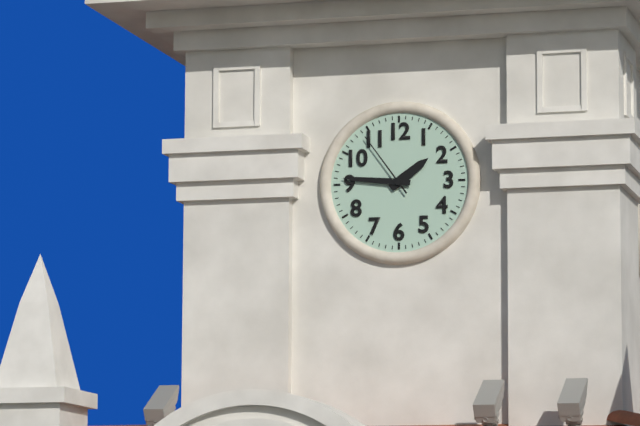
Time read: 1:46:54
